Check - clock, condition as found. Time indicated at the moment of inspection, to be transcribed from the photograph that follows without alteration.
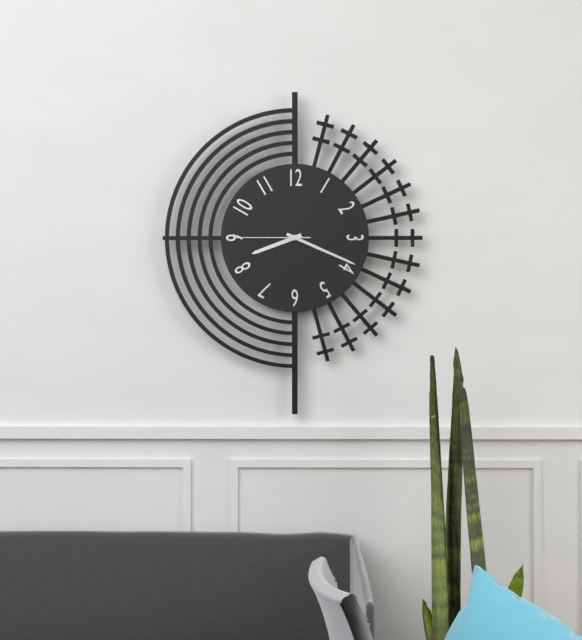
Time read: 8:19:45
